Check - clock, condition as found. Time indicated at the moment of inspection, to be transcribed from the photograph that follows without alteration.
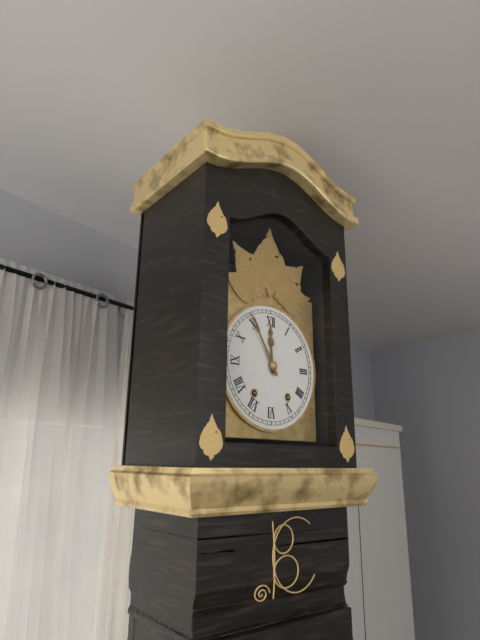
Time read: 11:55
